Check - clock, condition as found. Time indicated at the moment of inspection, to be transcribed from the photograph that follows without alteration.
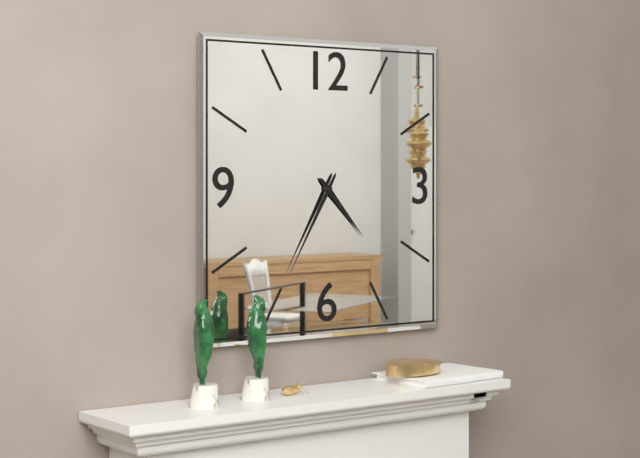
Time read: 4:35
